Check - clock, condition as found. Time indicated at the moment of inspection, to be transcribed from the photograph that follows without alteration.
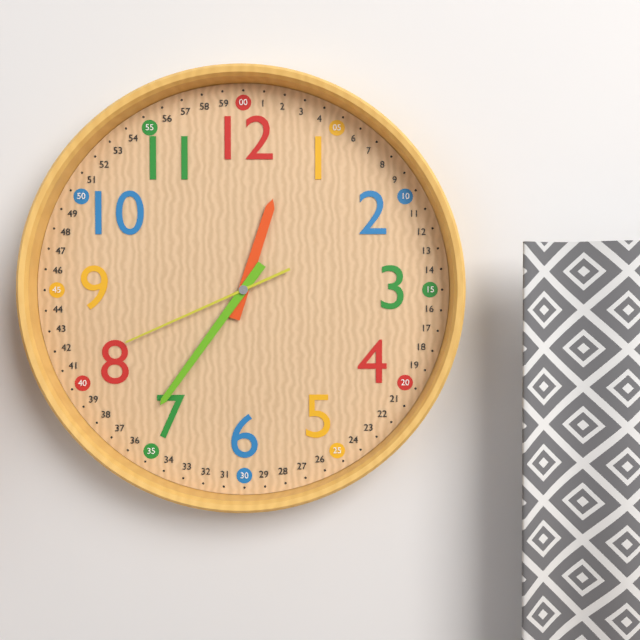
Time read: 12:36:41
